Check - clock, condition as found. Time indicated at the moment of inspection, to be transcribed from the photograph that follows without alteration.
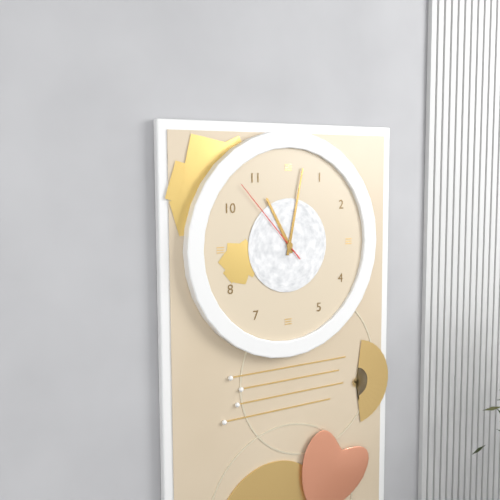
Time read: 11:02:53
